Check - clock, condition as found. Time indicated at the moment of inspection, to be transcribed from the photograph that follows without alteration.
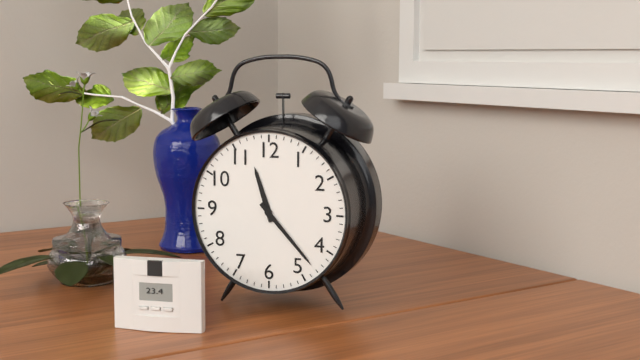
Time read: 11:23
